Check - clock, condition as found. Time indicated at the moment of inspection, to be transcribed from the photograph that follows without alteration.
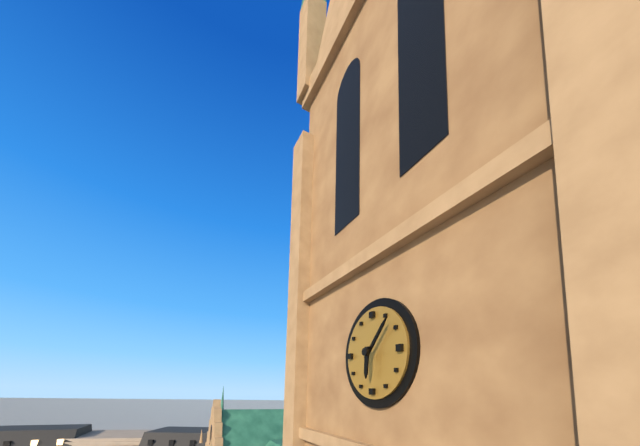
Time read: 6:07
